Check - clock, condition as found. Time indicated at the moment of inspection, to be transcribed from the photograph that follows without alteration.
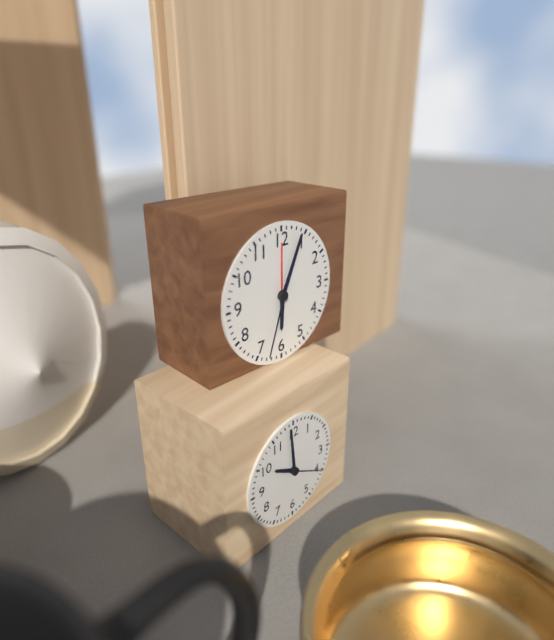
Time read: 6:04:33
